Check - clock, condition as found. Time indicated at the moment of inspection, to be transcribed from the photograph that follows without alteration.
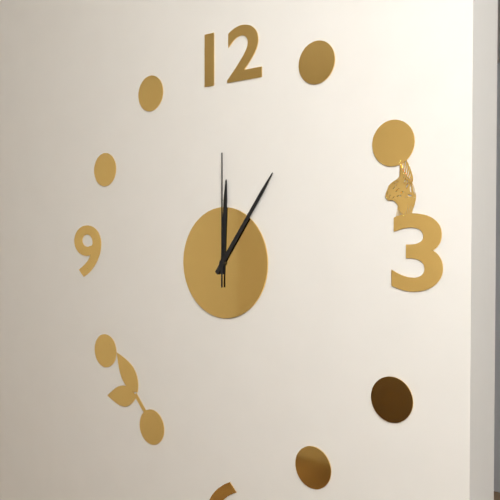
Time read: 12:06:00
